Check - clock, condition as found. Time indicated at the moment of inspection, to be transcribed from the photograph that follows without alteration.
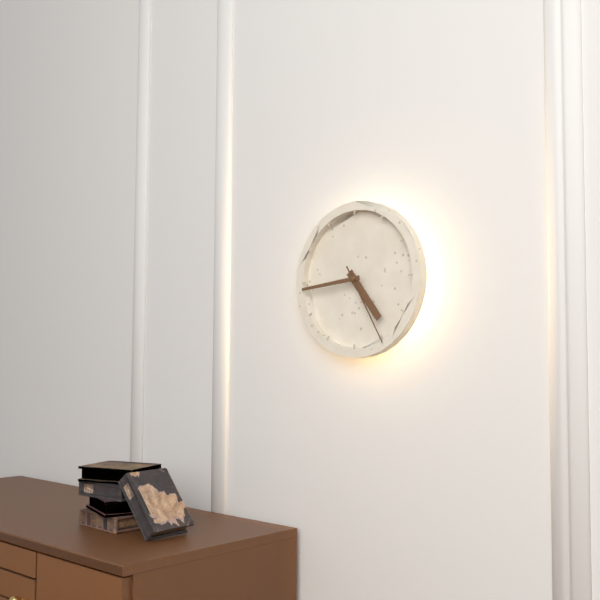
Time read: 4:44:25
